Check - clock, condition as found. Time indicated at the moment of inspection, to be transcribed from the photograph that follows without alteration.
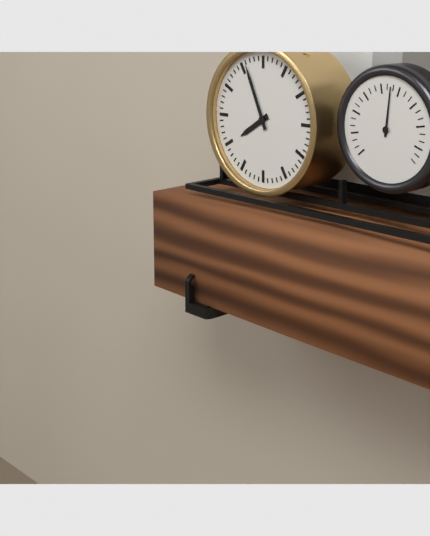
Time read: 7:56
